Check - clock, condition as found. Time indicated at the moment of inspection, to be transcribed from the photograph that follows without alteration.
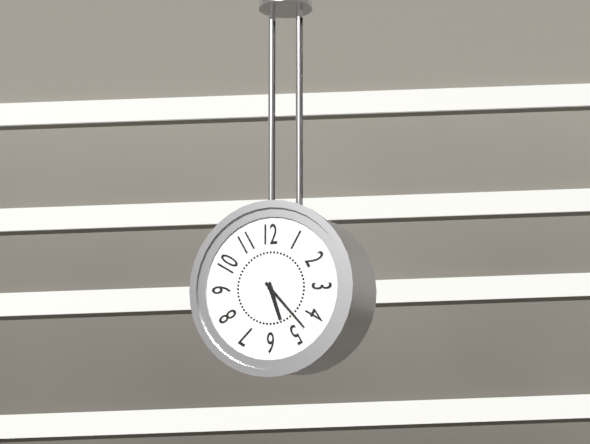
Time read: 5:23
